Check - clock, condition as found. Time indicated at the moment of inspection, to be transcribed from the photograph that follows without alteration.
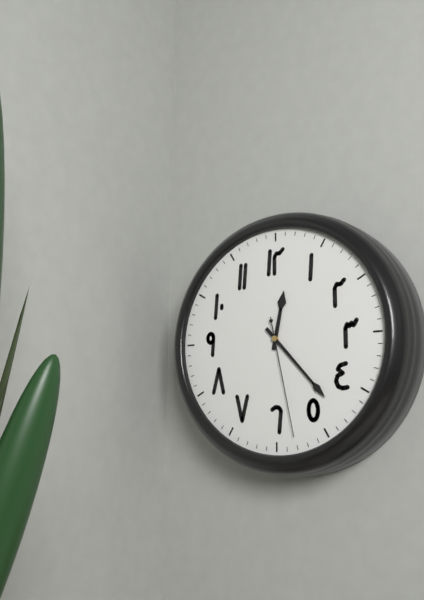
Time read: 12:23:28
